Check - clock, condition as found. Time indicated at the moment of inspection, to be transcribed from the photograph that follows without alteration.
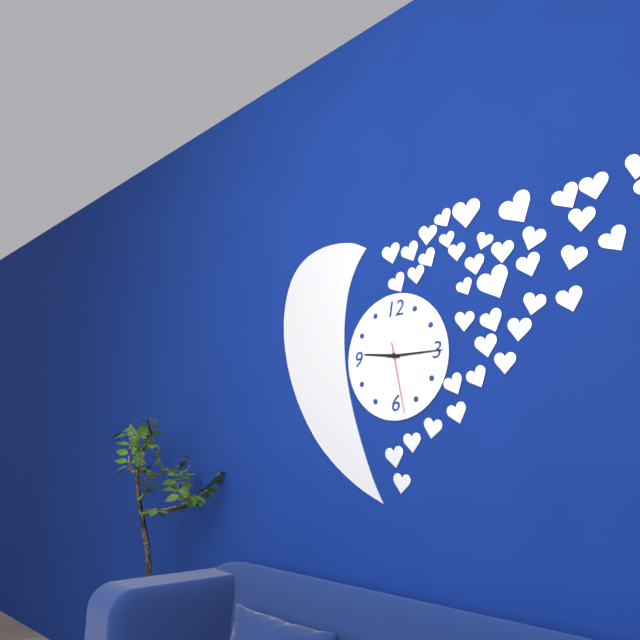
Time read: 9:15:28
